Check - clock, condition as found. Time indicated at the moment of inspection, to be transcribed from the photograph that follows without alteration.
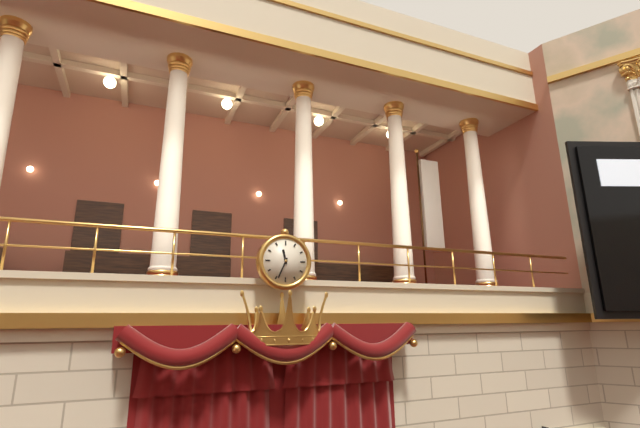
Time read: 11:34
